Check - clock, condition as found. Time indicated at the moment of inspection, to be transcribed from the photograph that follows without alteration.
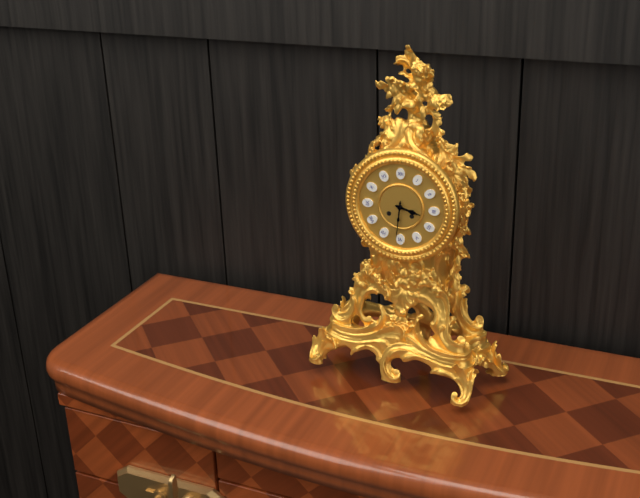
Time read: 3:31
